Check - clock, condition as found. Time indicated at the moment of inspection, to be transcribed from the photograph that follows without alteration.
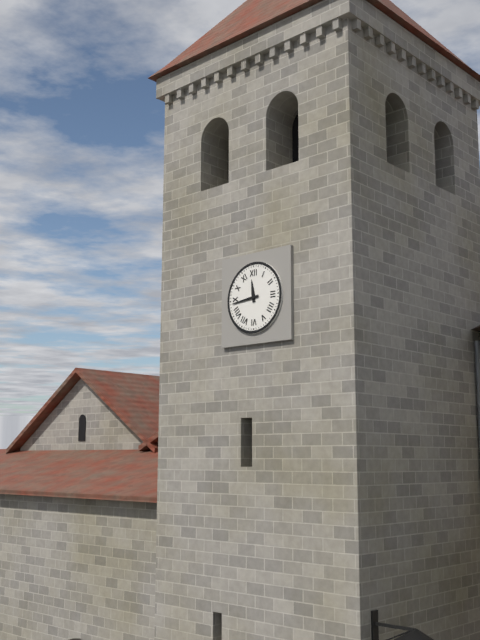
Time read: 11:44
